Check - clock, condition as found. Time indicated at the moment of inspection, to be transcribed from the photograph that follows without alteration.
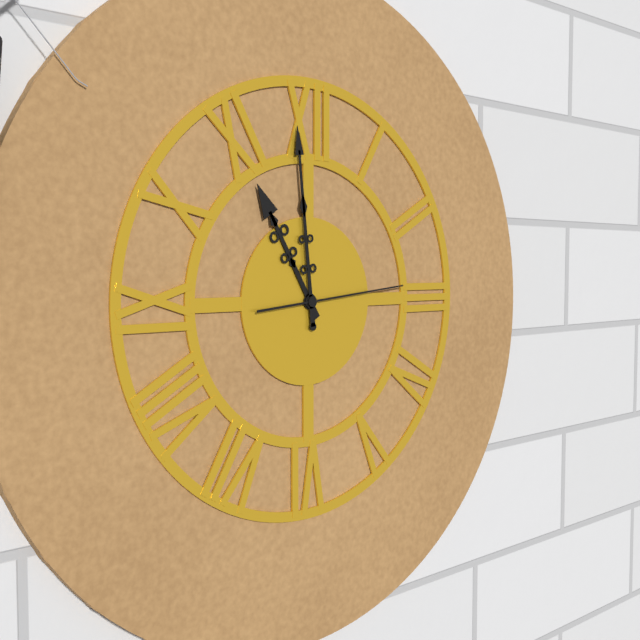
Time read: 10:59:14
